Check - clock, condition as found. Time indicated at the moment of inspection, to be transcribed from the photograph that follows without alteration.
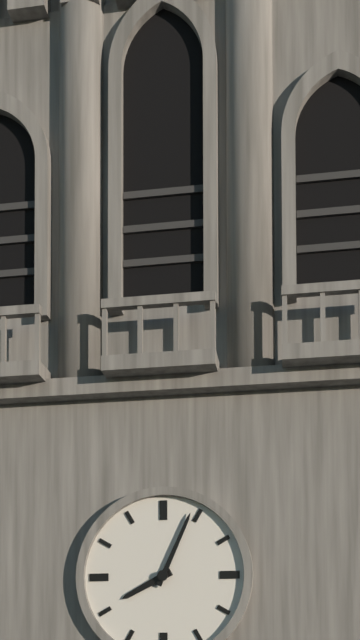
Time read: 8:04
